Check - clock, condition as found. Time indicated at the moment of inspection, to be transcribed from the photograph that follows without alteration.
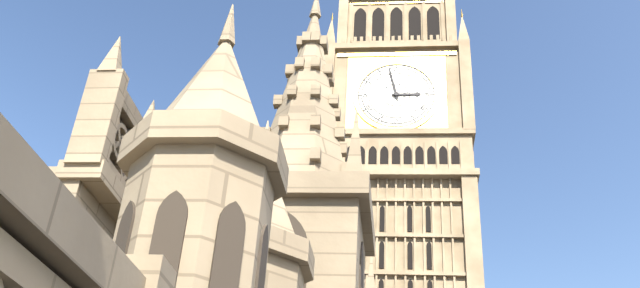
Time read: 2:58
